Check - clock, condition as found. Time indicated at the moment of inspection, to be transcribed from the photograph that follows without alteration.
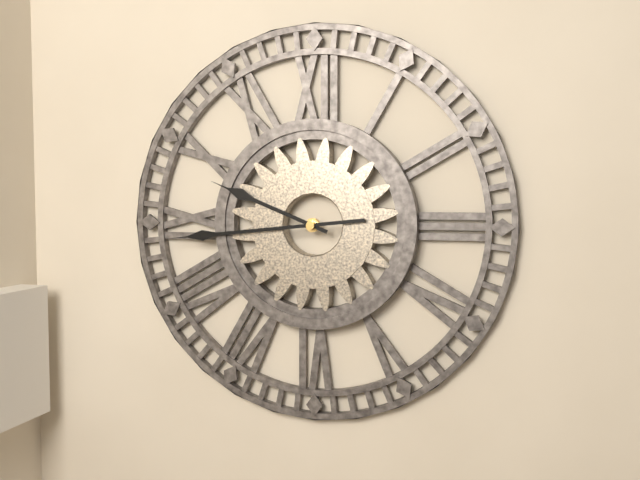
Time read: 9:44
